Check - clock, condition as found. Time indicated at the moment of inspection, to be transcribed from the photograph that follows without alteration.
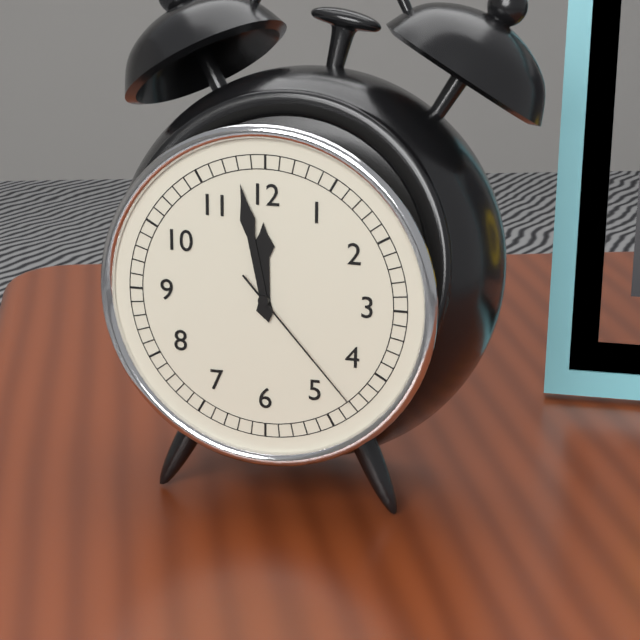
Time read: 11:58:23
